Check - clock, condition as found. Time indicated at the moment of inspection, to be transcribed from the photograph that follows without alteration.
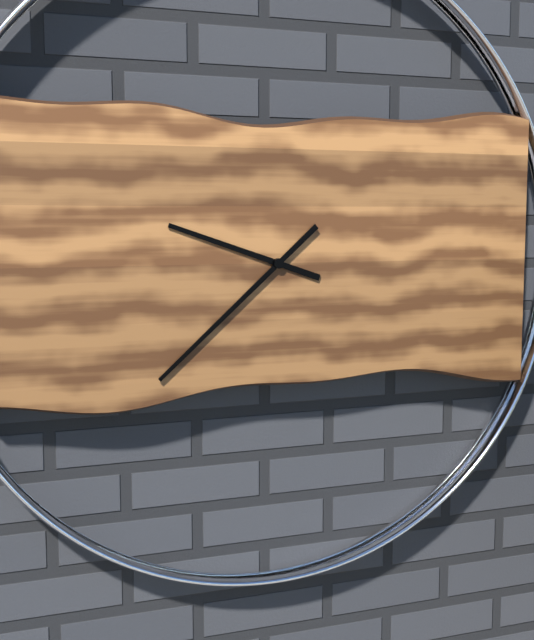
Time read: 9:38
